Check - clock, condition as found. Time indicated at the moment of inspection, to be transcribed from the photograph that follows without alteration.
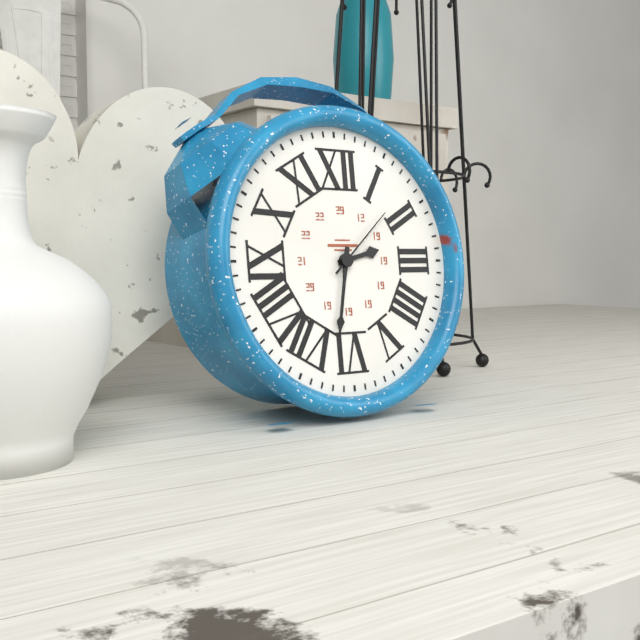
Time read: 2:32:08
